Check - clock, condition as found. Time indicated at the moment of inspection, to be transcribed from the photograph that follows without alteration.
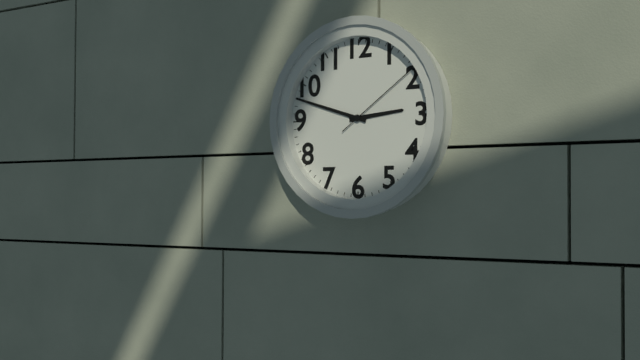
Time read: 2:48:09
